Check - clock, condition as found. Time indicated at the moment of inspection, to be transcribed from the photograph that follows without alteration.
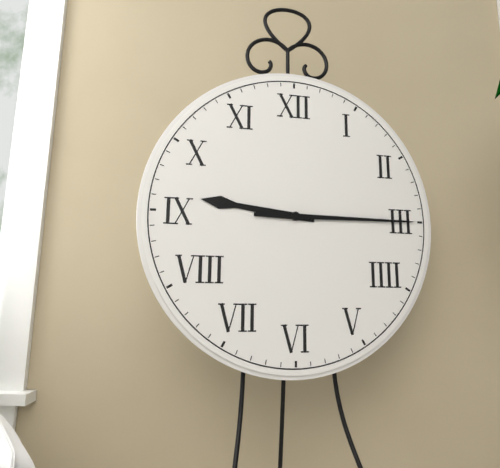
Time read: 9:15
